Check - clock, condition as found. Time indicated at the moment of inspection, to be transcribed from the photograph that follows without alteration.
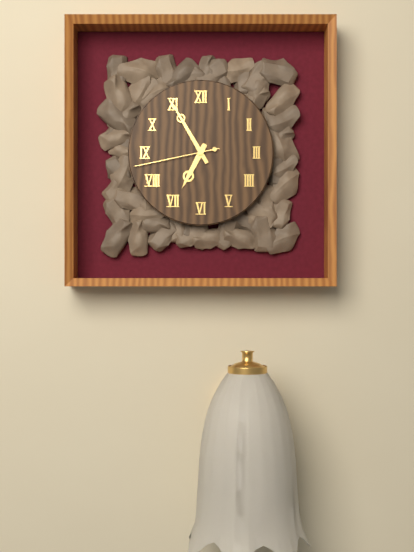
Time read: 6:55:43
